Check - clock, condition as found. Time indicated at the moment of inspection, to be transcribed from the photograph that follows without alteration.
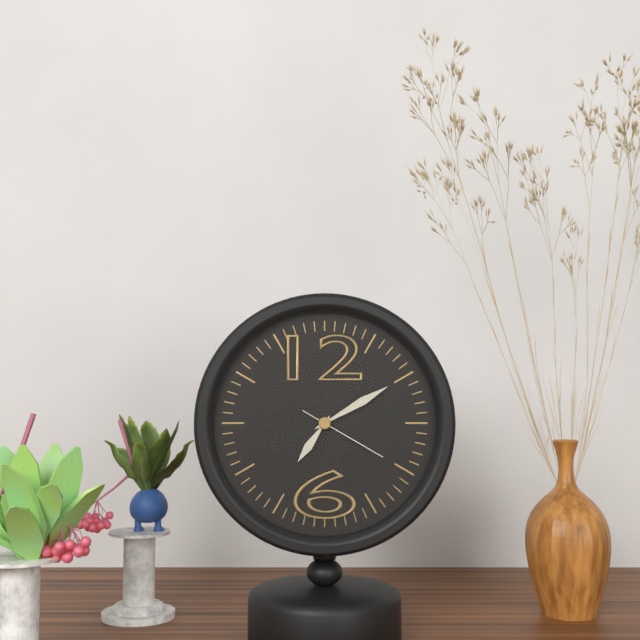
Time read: 7:10:20
